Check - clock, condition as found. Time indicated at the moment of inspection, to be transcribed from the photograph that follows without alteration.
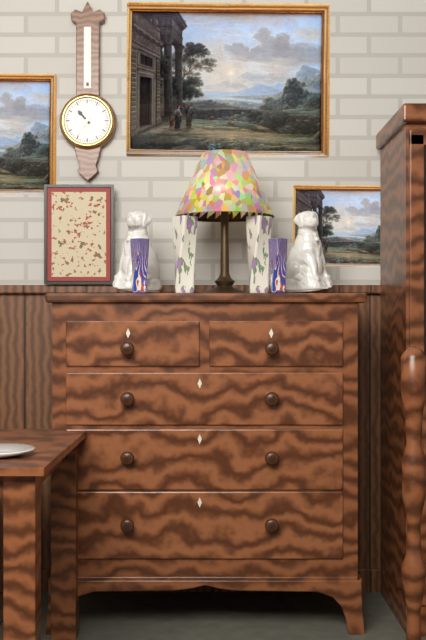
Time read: 10:36
